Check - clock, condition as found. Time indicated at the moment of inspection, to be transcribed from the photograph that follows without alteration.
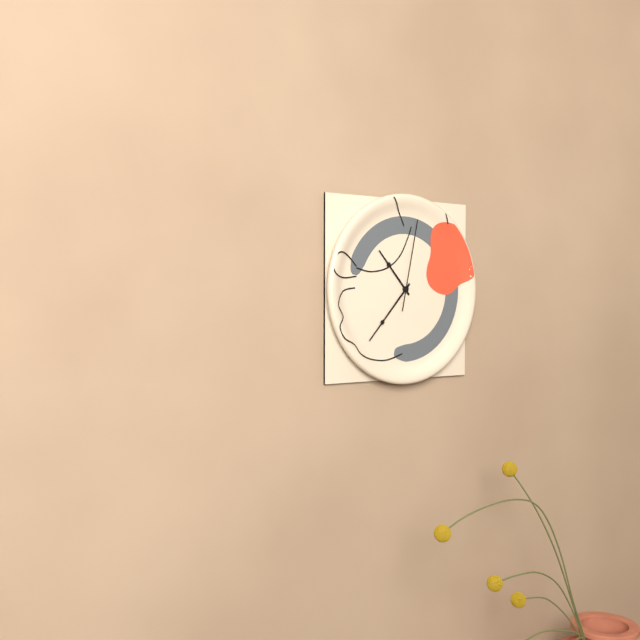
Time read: 10:37:02
